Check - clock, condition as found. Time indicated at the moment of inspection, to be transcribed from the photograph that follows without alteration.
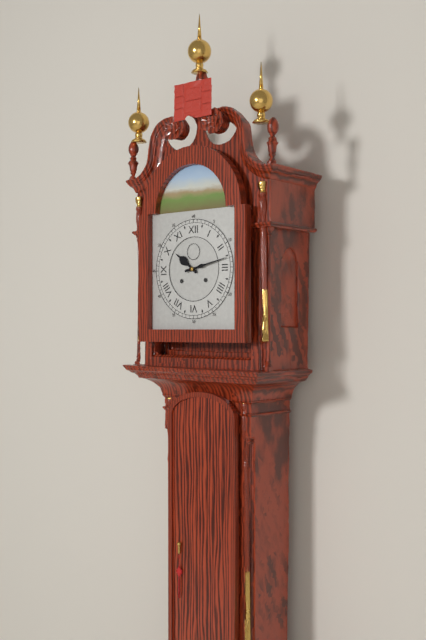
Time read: 10:13
